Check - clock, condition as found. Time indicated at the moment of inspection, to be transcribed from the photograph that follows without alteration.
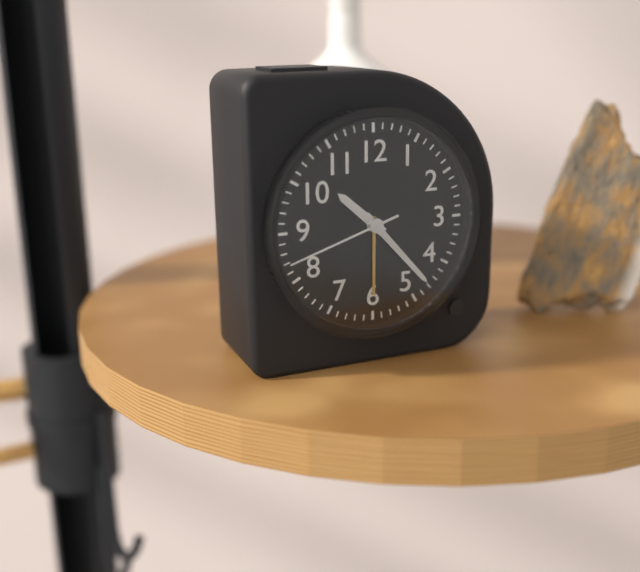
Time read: 10:23:42
